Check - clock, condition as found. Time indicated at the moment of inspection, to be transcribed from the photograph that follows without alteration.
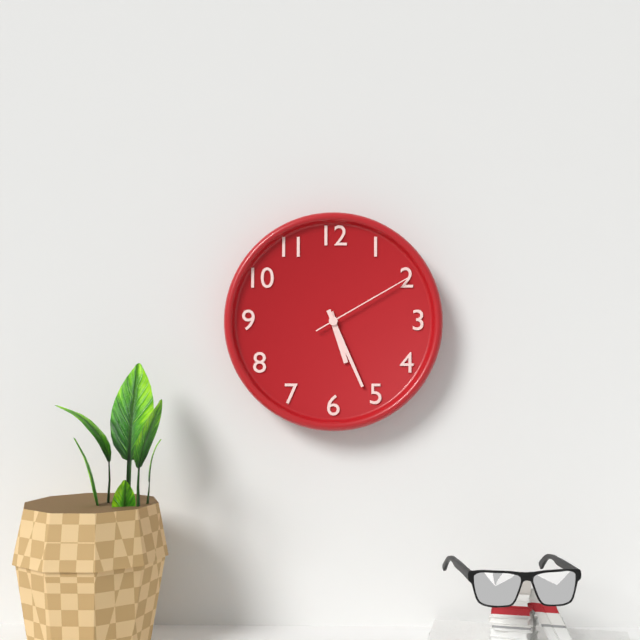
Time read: 5:26:10
